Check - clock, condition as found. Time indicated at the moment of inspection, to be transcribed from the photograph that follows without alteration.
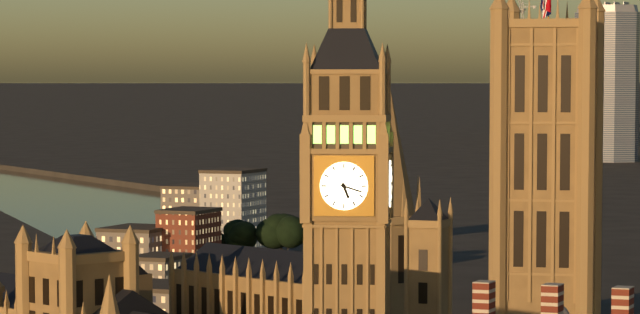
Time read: 5:18
